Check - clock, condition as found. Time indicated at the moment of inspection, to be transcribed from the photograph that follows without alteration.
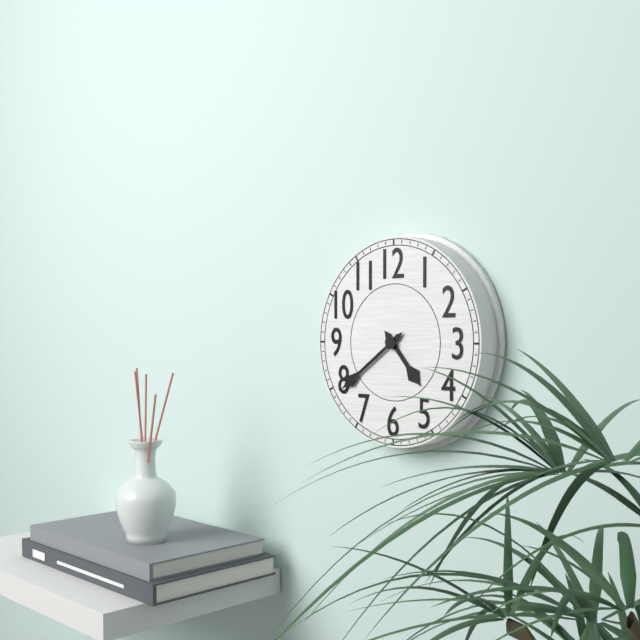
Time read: 4:39
